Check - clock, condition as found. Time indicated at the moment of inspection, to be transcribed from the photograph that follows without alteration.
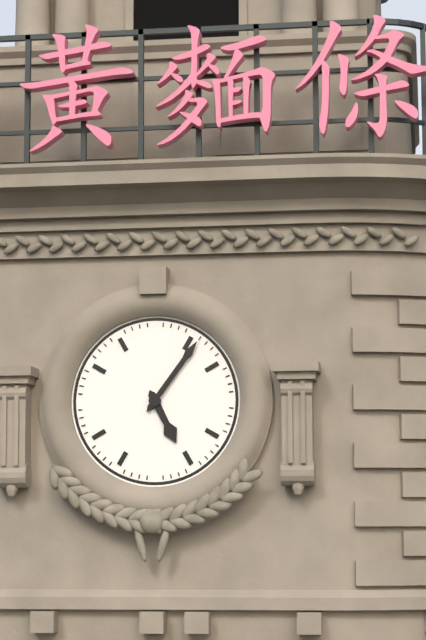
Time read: 5:06
